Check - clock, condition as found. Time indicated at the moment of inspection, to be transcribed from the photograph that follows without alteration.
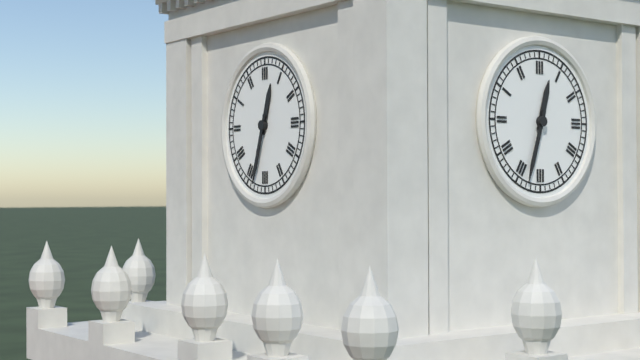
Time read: 12:33
